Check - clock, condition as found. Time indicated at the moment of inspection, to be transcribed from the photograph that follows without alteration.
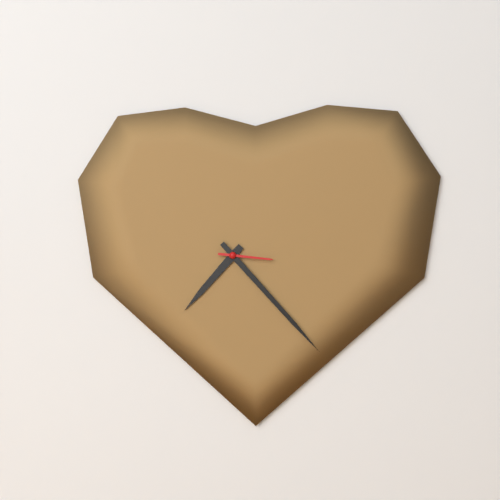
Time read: 7:23:16
